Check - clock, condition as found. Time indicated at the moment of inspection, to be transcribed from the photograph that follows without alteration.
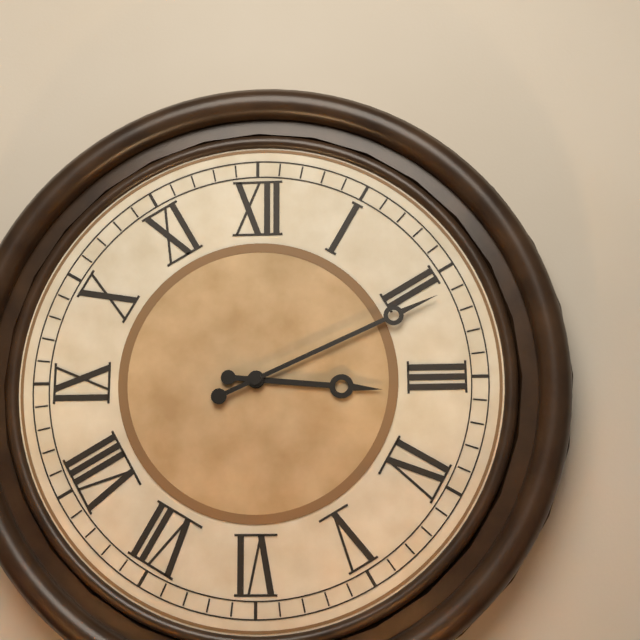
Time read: 3:11
